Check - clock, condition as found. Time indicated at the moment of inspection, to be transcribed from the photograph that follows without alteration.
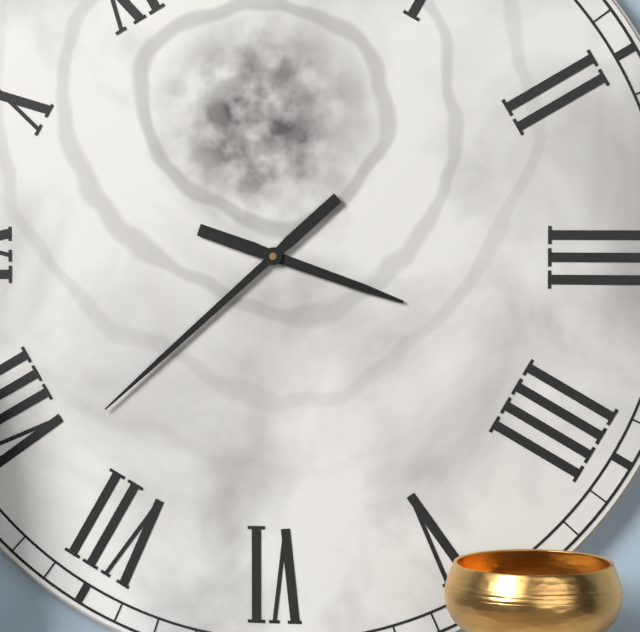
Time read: 3:38
